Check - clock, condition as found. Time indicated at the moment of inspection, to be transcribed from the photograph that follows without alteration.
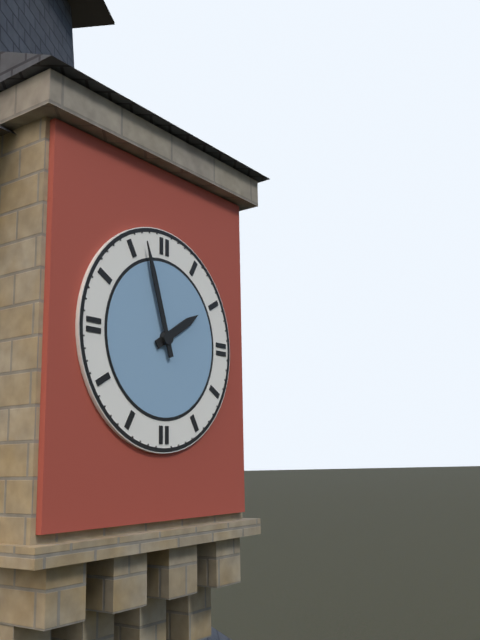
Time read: 1:57
